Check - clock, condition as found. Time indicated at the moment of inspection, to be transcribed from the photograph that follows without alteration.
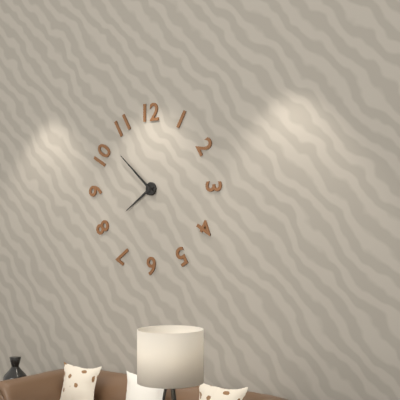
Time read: 7:52
